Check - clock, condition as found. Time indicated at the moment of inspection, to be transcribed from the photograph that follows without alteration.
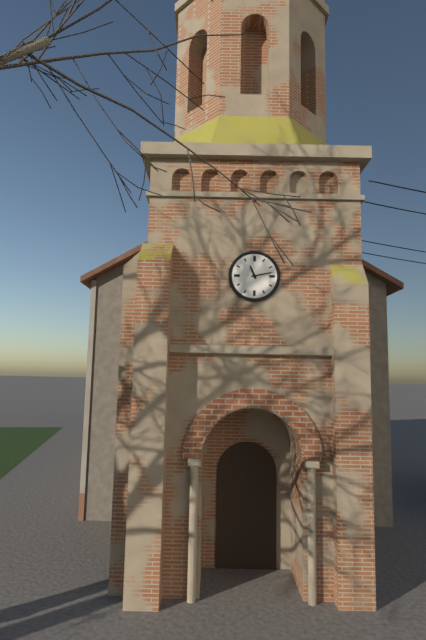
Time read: 11:13
